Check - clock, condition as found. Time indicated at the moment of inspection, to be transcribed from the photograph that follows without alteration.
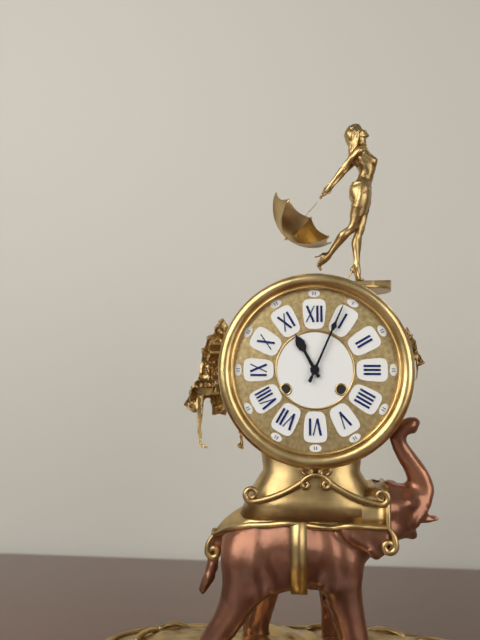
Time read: 11:04
